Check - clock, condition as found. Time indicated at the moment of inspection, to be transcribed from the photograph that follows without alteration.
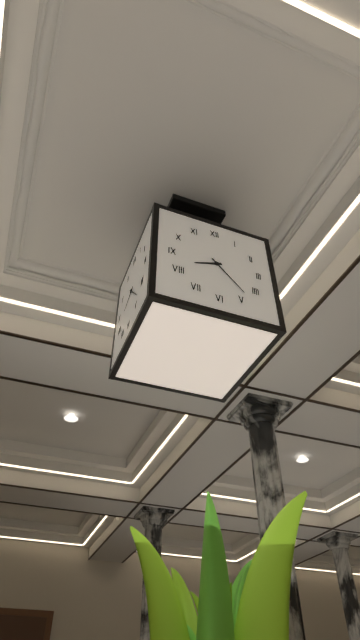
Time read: 8:23
